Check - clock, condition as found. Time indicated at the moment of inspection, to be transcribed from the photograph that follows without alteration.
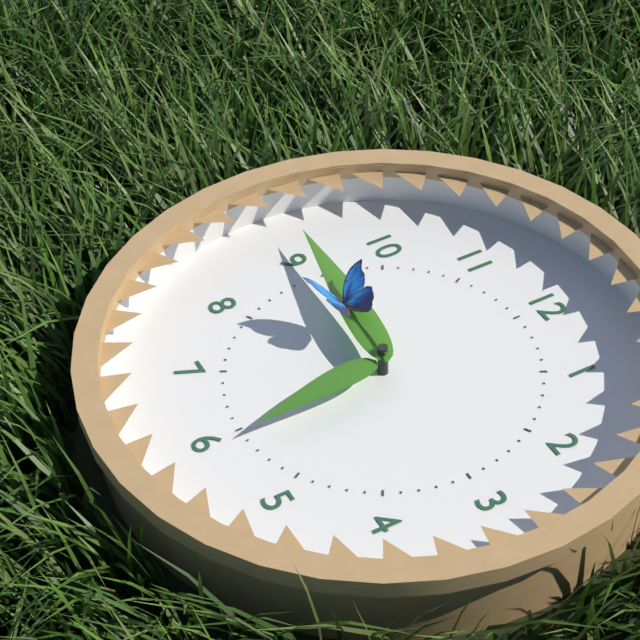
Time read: 5:46:45
